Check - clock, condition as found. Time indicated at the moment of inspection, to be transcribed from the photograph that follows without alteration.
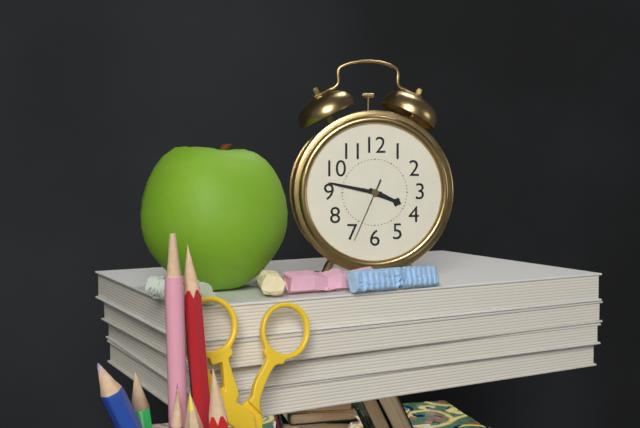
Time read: 3:47:34
